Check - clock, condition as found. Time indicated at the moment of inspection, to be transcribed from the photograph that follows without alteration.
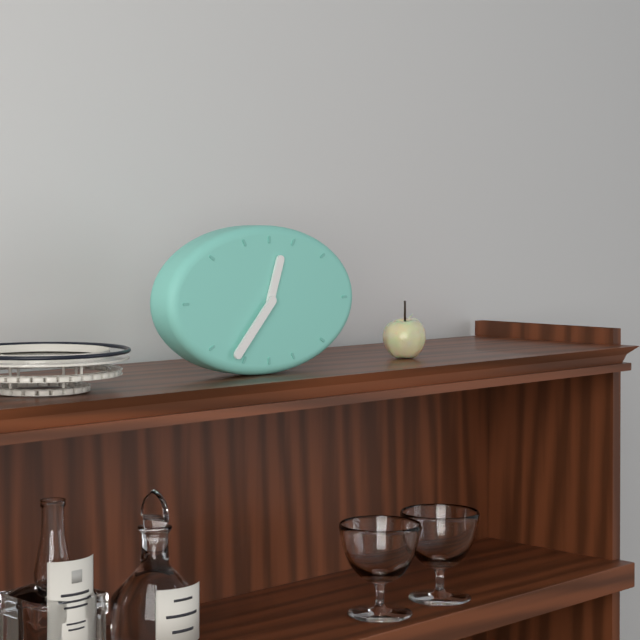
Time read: 12:37
